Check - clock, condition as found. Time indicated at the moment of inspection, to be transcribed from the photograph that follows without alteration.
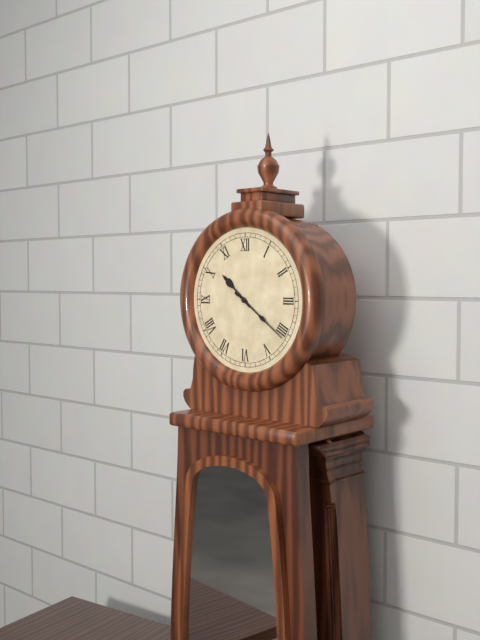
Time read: 10:21
